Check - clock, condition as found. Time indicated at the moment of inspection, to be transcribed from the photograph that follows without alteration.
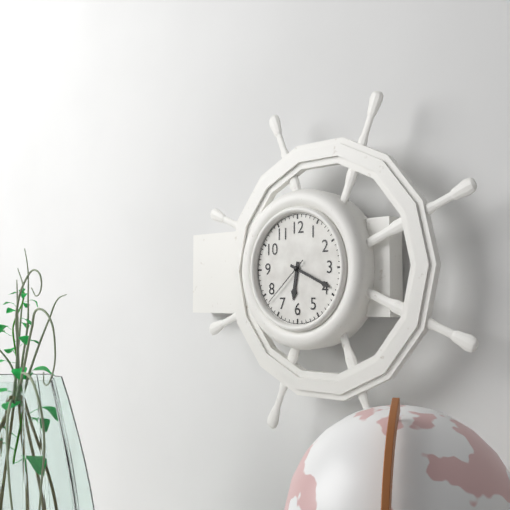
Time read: 6:19:38
